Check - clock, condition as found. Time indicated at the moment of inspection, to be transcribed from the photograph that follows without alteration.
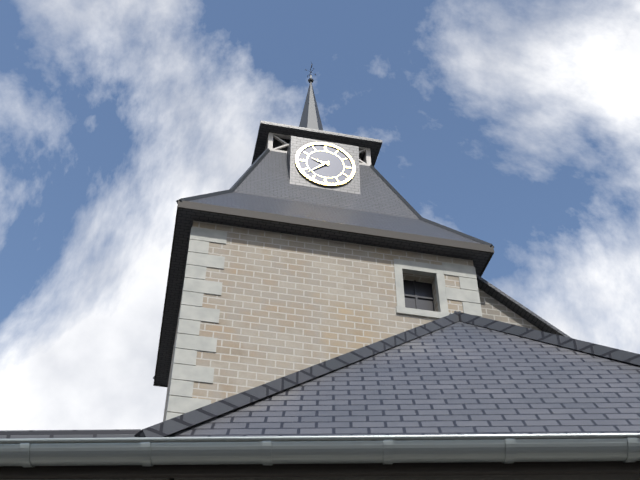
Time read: 9:38
